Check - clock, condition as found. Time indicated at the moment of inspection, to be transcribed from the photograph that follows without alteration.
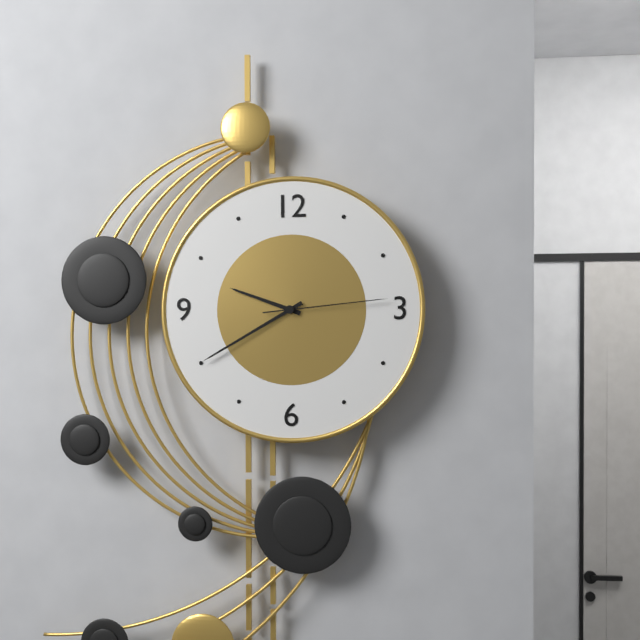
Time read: 9:40:14
